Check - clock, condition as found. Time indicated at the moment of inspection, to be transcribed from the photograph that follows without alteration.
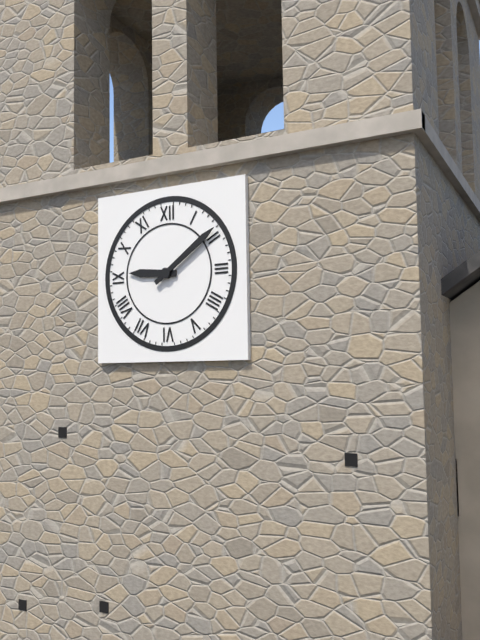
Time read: 9:09
